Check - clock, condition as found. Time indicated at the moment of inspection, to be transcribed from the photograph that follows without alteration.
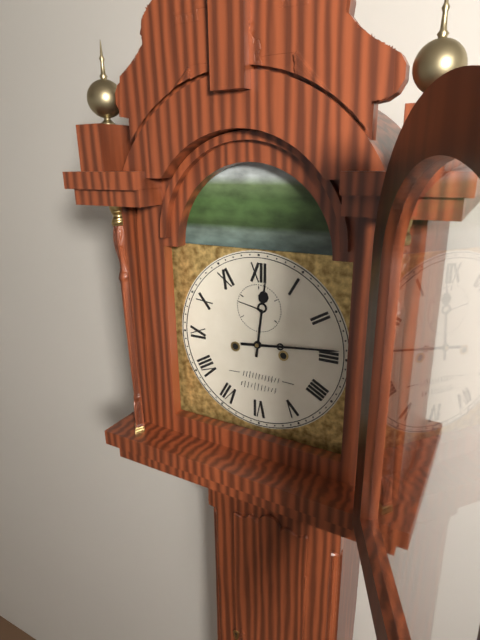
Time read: 12:14
